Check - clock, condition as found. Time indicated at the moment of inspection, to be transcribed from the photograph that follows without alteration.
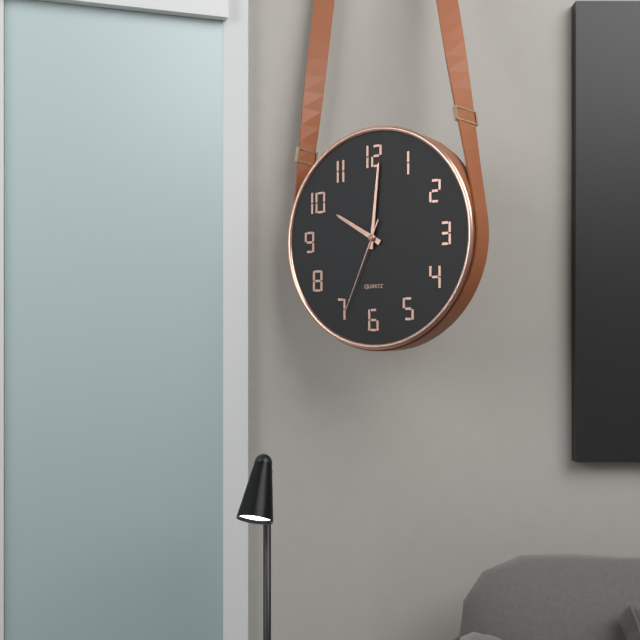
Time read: 10:01:34
